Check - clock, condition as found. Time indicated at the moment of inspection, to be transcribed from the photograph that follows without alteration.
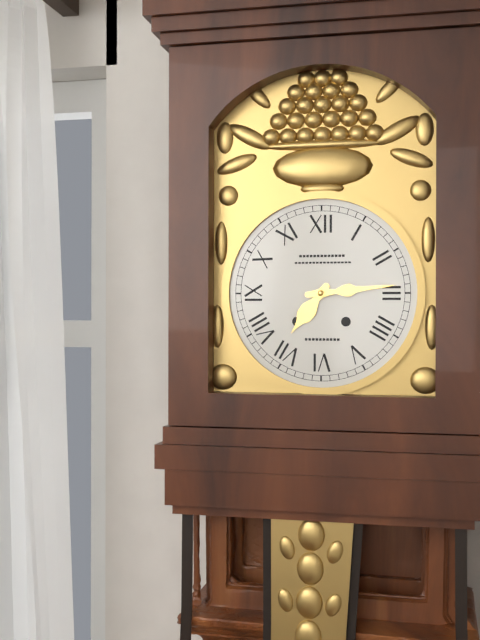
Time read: 7:14
